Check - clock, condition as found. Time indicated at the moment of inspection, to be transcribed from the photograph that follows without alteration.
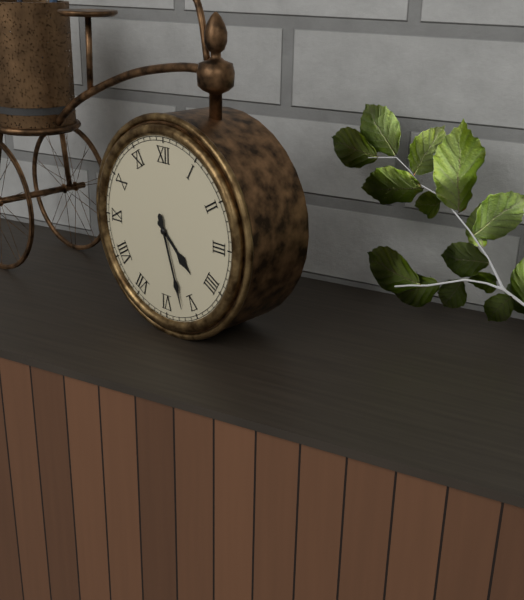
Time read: 4:27
